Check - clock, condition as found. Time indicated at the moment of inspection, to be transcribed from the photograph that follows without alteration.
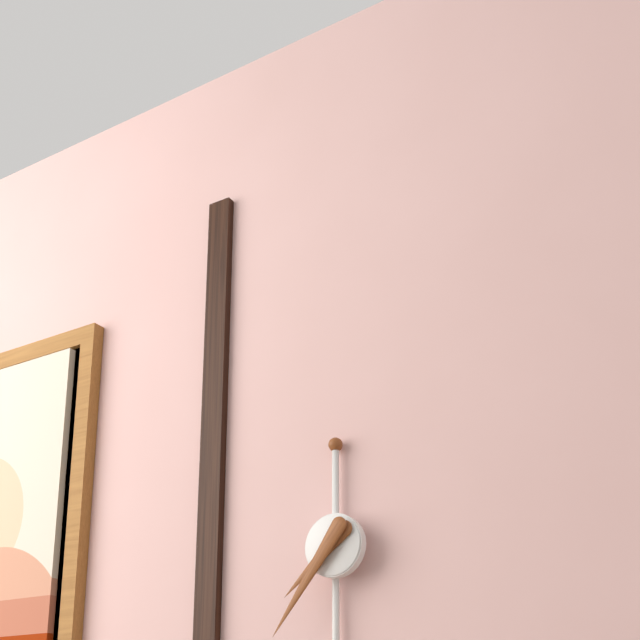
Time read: 7:36
